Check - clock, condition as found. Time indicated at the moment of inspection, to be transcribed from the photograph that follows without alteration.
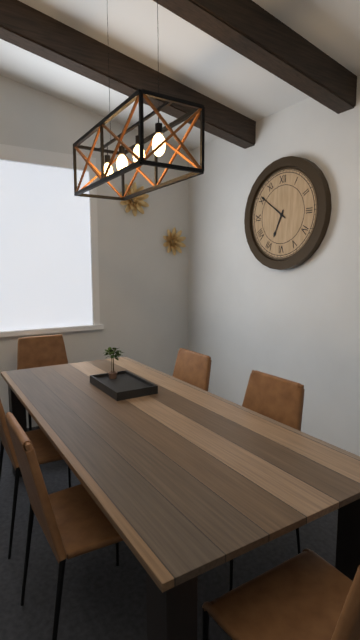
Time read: 6:51
